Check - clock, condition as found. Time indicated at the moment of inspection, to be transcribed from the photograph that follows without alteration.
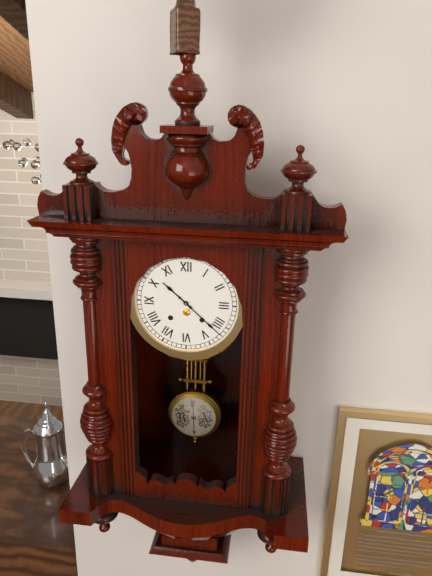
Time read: 10:22
